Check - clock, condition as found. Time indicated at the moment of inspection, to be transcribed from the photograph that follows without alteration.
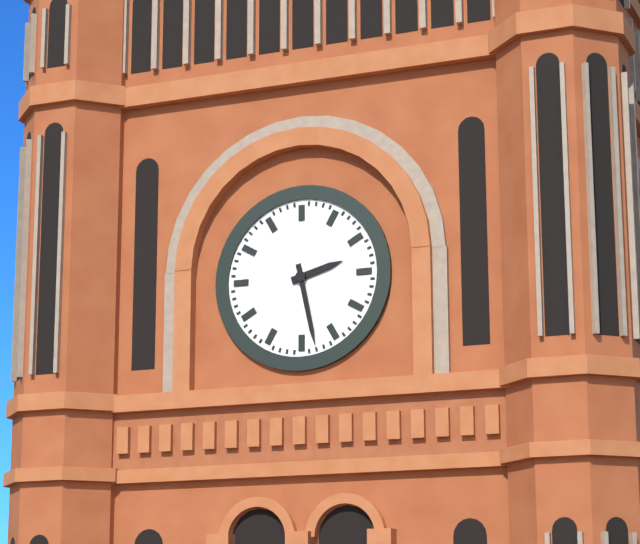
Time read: 2:28
